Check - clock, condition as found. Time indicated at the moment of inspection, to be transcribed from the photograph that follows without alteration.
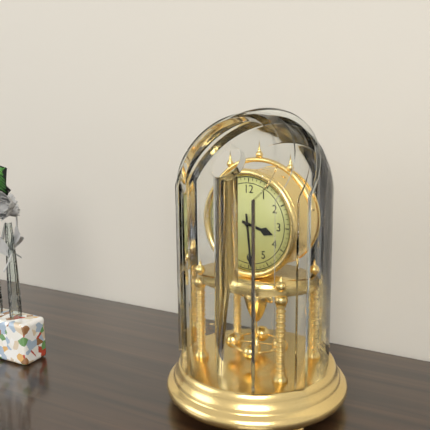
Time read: 3:29
